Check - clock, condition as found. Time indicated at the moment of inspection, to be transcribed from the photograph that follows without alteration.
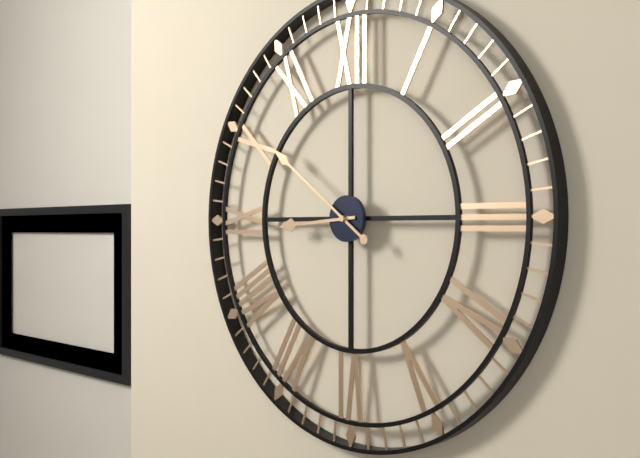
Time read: 8:51
